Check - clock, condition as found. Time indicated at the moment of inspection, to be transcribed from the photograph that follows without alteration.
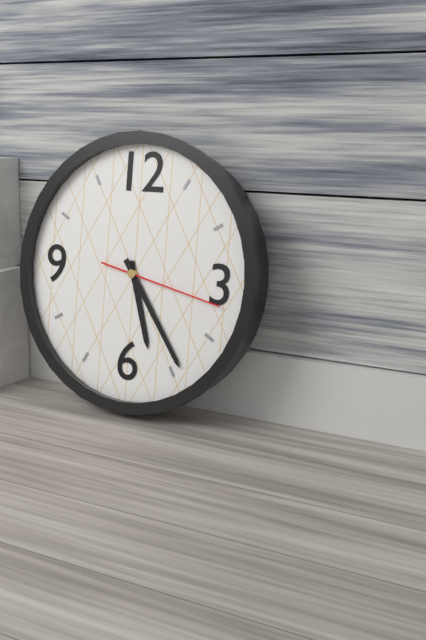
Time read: 5:24:17
